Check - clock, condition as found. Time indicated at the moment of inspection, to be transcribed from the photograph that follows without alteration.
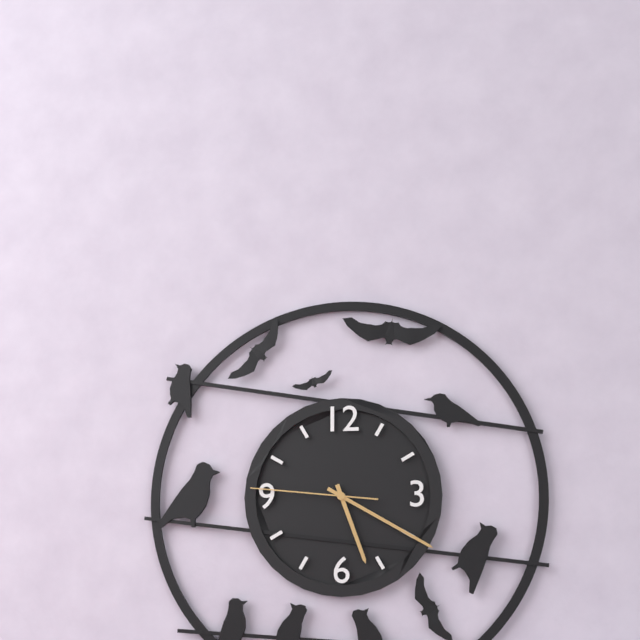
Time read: 5:20:46
